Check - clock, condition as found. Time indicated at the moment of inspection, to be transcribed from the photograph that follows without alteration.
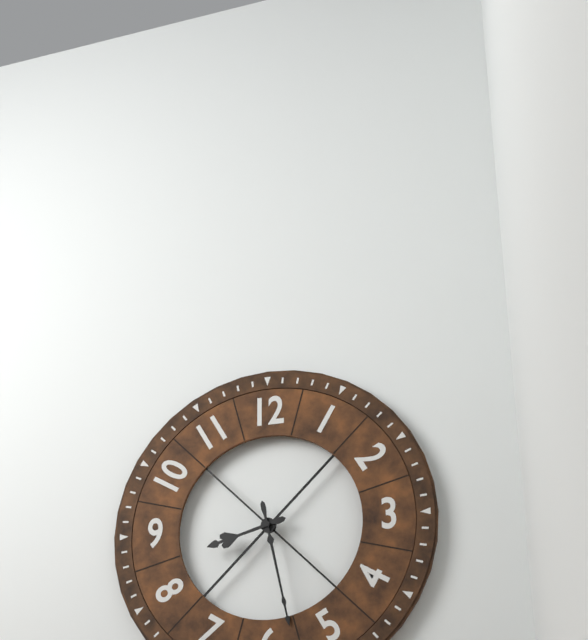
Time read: 8:28
